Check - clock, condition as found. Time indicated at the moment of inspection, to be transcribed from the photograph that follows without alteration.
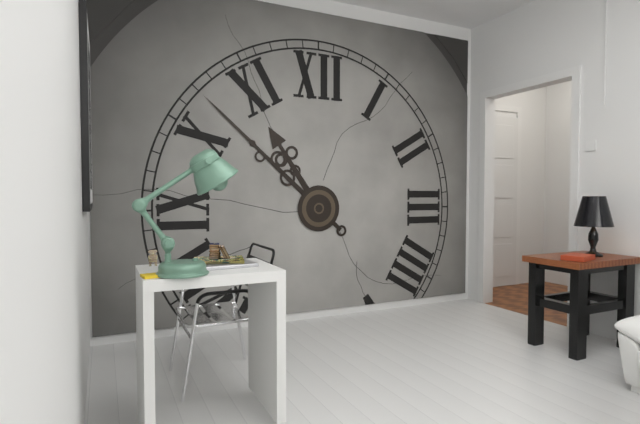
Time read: 10:52
